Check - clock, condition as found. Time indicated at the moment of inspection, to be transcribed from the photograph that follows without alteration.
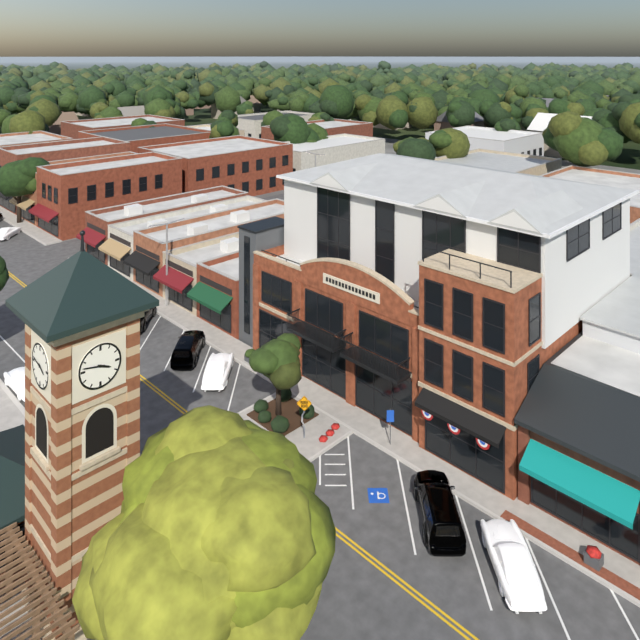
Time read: 3:47
